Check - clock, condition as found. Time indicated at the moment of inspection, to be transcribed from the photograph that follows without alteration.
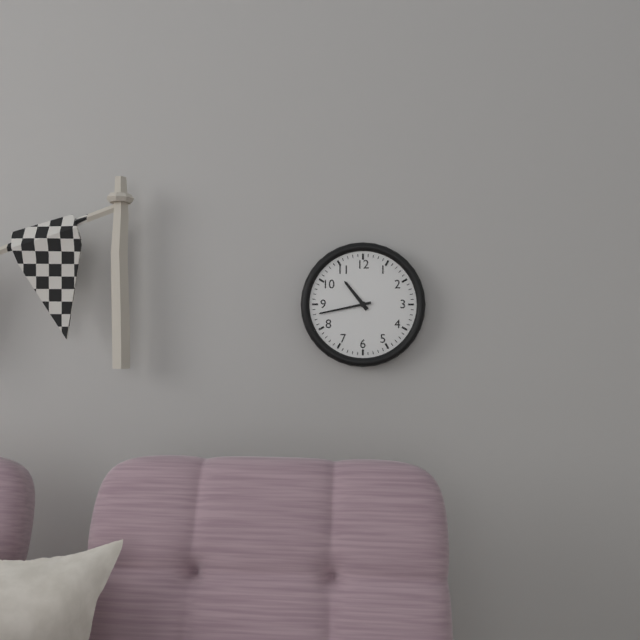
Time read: 10:43
